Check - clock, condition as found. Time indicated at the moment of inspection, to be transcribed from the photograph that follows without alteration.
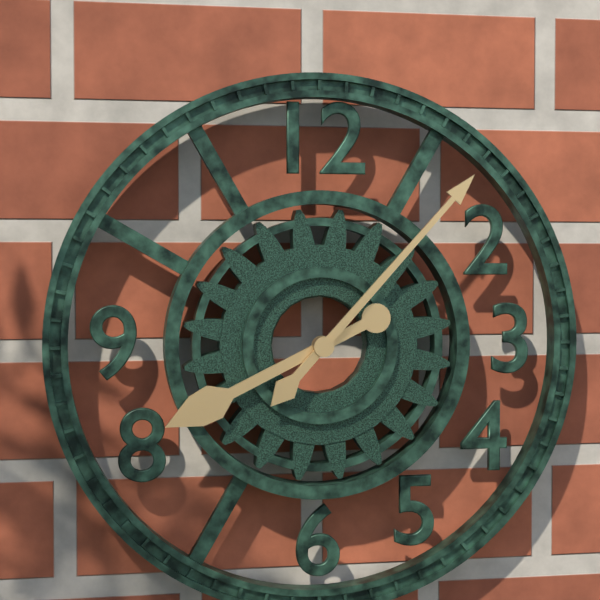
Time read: 8:07
